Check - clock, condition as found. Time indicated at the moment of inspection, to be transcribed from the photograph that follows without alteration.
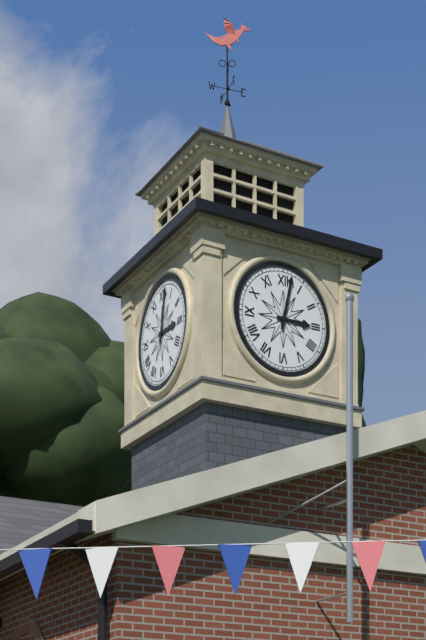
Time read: 3:02
